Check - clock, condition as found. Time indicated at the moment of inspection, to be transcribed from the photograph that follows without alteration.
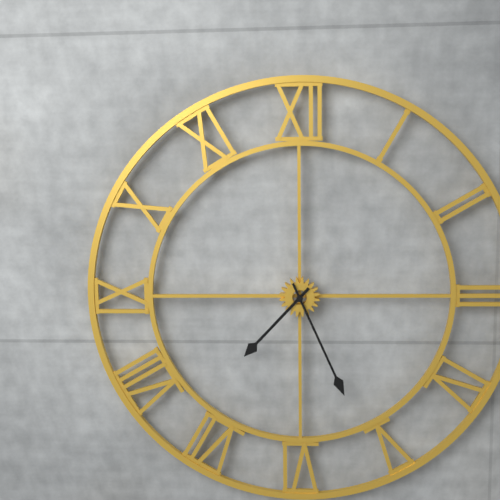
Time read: 7:26
